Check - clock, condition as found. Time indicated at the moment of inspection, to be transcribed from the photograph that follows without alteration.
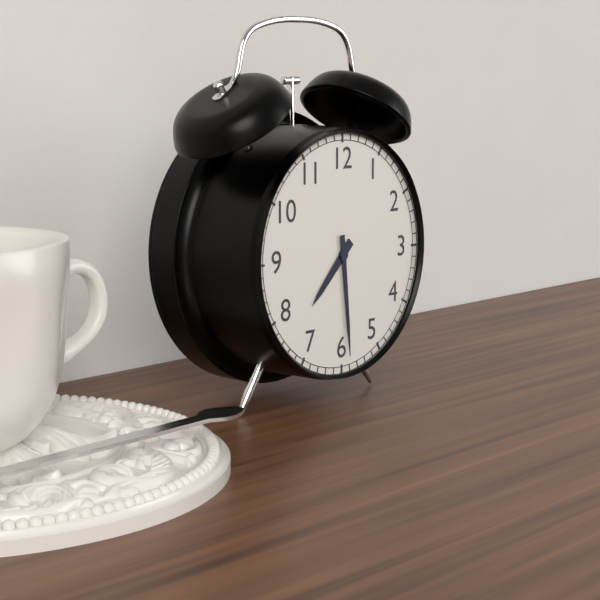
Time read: 7:29
